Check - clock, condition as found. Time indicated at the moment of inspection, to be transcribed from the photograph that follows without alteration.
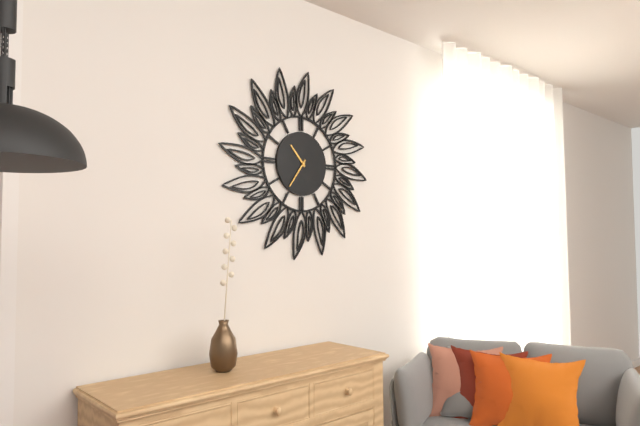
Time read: 10:36
